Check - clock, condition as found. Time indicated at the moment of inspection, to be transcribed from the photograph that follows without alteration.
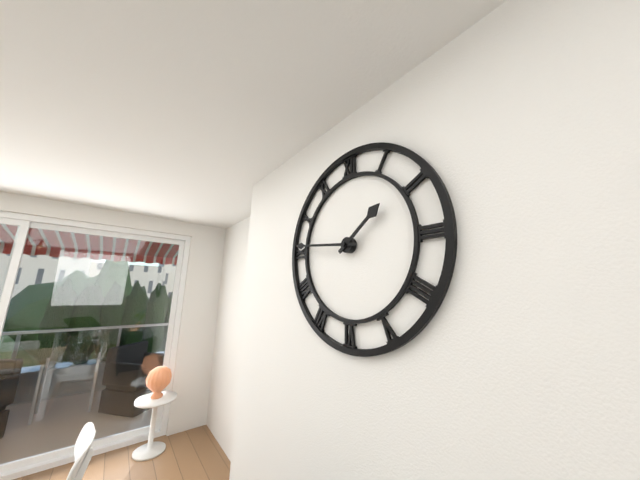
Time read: 1:46
